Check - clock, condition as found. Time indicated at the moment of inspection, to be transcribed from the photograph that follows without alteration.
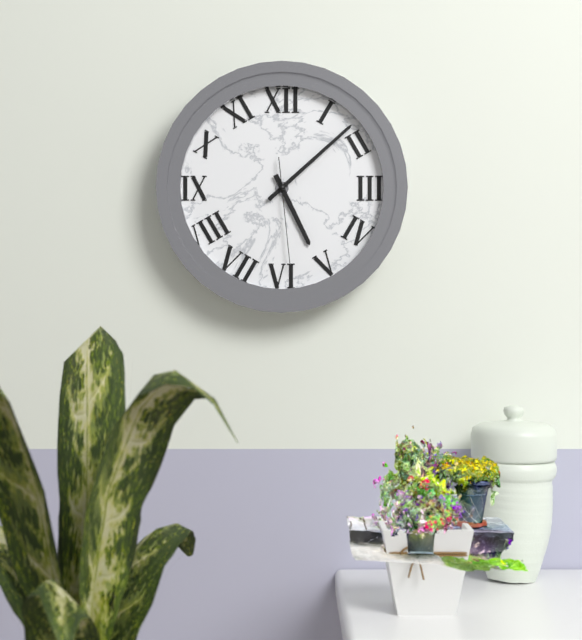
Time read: 5:08:29
